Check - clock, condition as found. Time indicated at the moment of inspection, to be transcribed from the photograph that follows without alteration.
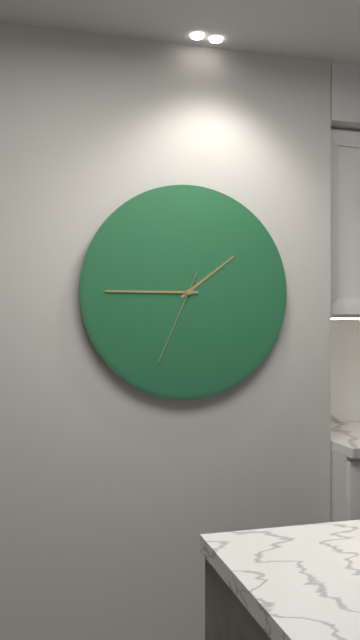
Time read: 1:45:34
